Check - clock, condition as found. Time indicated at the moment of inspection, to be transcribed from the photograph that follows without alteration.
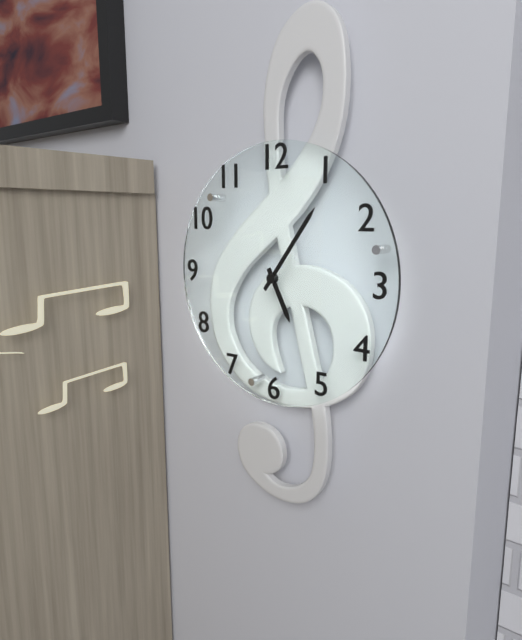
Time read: 5:06
